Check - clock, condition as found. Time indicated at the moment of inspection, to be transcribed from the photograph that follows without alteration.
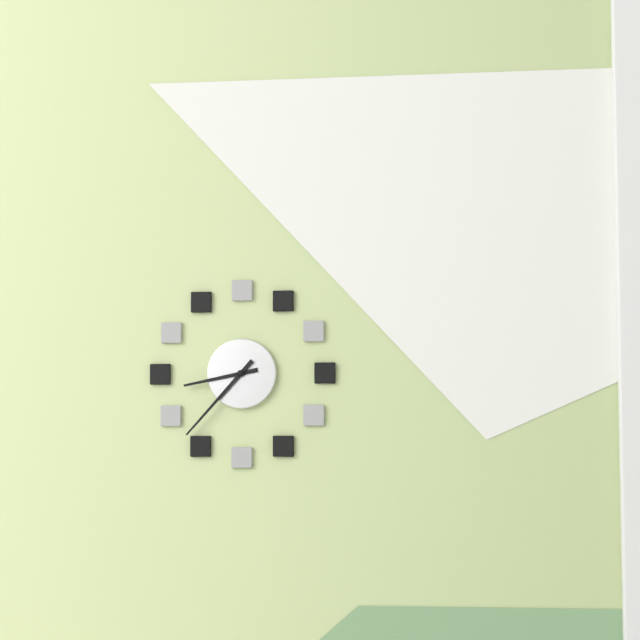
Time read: 8:37
